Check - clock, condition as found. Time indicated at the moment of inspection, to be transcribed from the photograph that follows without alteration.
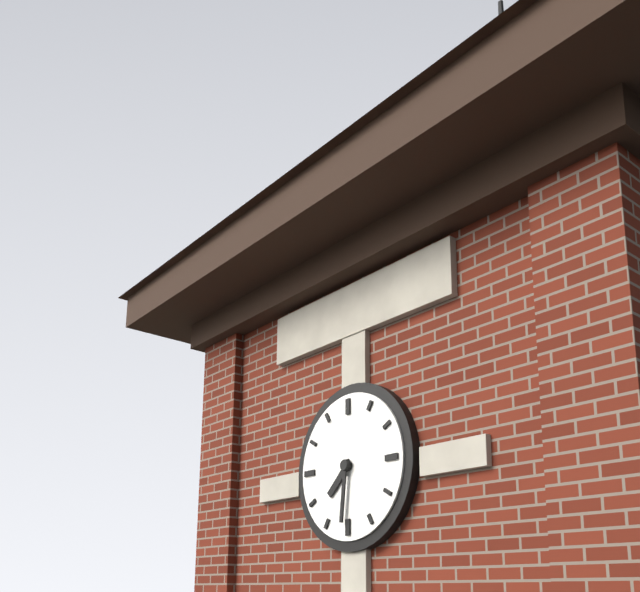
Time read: 7:31
